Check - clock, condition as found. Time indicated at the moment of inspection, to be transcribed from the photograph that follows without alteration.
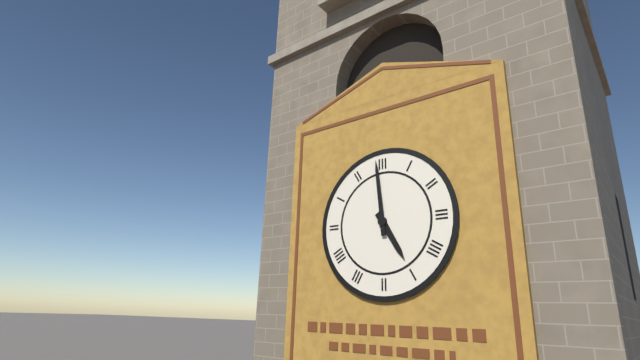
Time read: 4:59
